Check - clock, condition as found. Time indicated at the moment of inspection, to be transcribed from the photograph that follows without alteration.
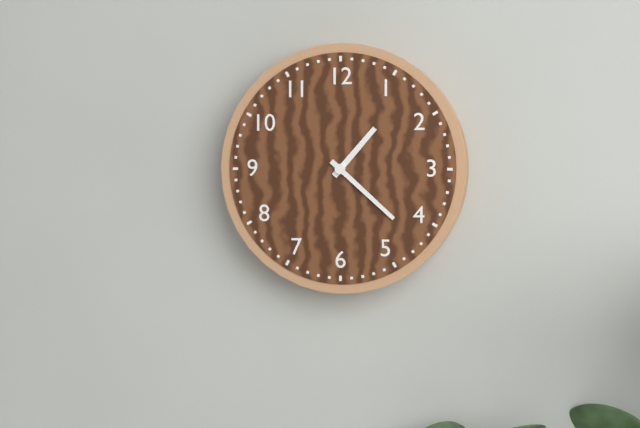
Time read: 1:22
